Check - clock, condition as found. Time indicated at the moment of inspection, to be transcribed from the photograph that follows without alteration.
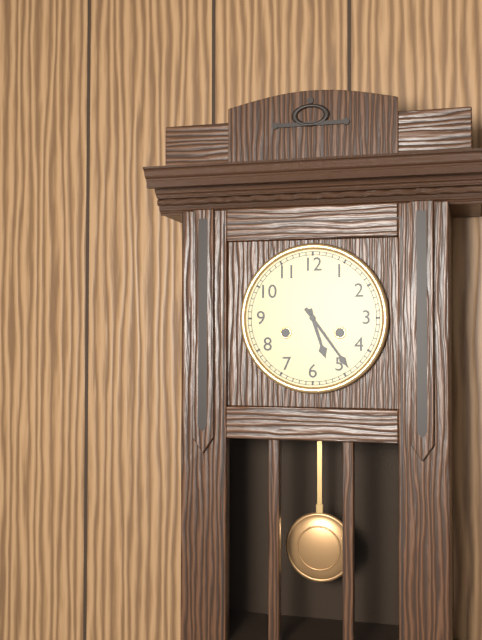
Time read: 5:24
